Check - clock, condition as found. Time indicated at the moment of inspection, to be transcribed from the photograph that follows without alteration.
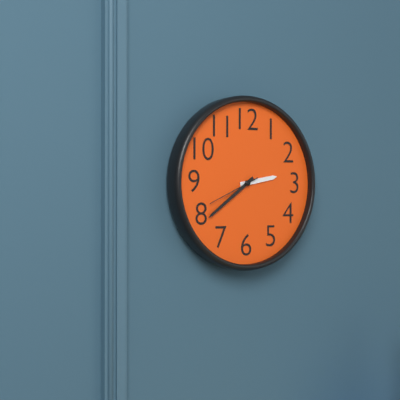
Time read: 2:39:41
